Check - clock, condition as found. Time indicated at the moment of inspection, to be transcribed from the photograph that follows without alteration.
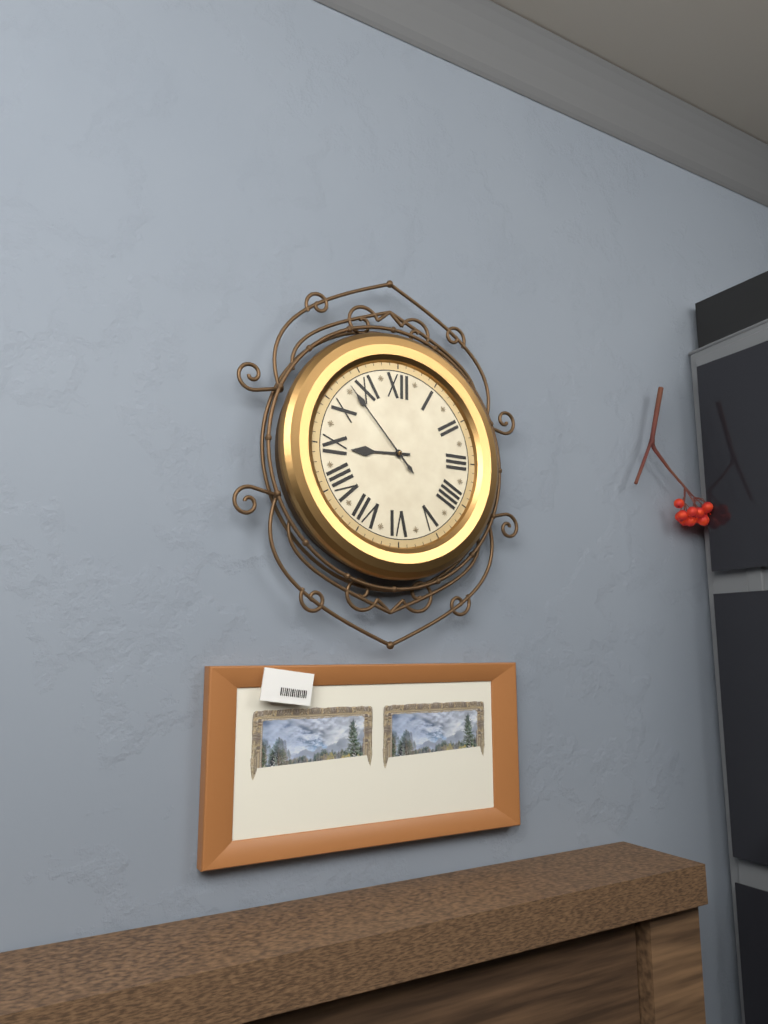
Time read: 8:53
